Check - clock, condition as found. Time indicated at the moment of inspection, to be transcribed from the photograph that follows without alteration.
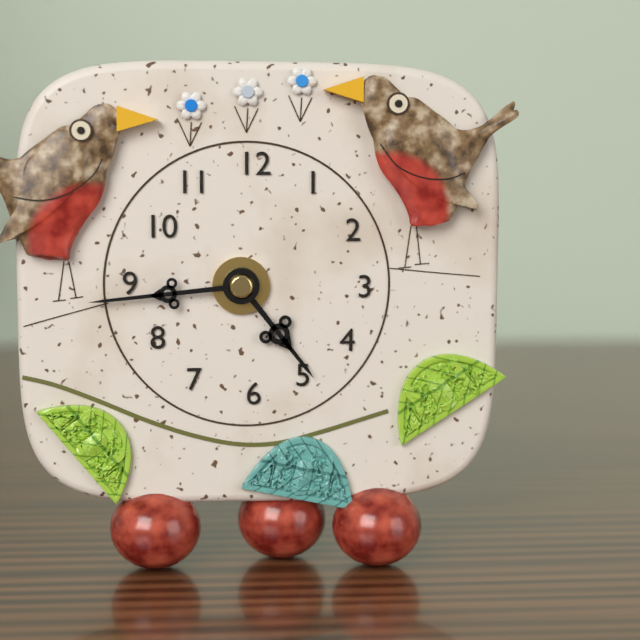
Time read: 4:44
